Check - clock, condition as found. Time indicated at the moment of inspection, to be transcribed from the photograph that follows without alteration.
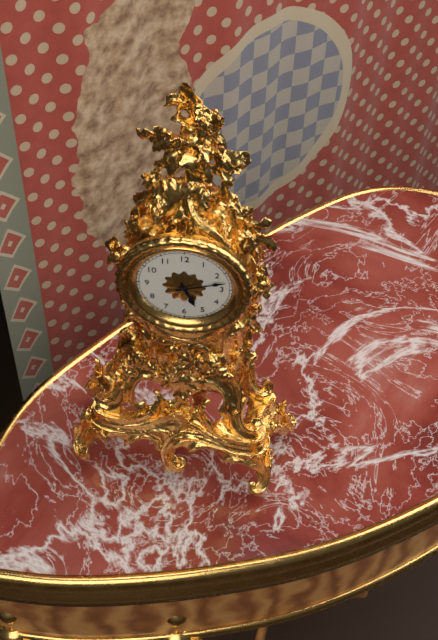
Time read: 5:12
